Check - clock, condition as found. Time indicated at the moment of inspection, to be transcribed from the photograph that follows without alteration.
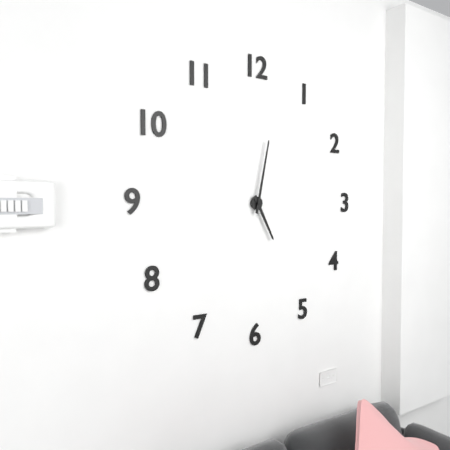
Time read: 5:02
